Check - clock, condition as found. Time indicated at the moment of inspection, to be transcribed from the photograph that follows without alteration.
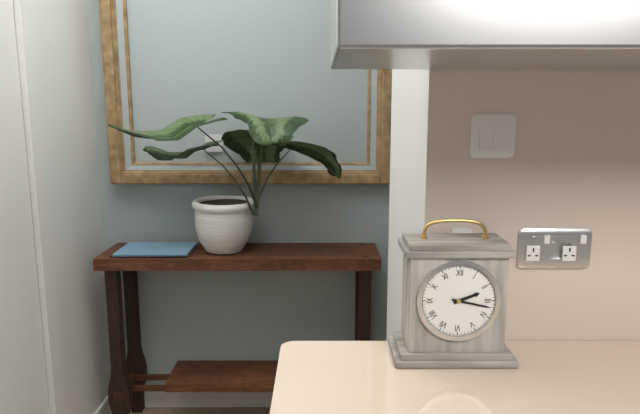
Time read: 2:17
